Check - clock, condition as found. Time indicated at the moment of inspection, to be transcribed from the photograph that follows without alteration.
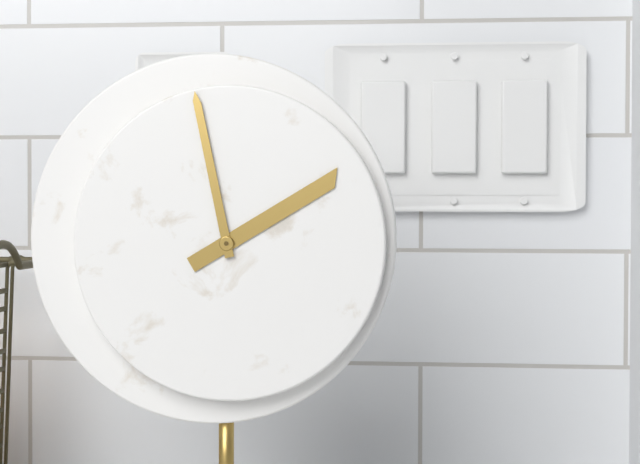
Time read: 1:58
